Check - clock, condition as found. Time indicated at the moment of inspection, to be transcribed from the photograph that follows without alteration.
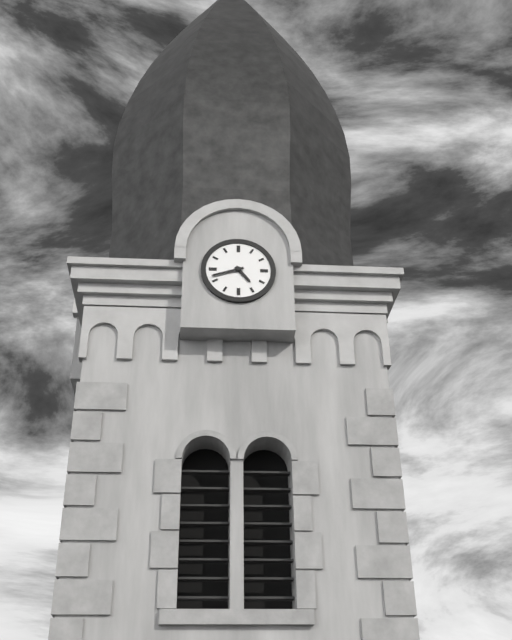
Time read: 4:42
